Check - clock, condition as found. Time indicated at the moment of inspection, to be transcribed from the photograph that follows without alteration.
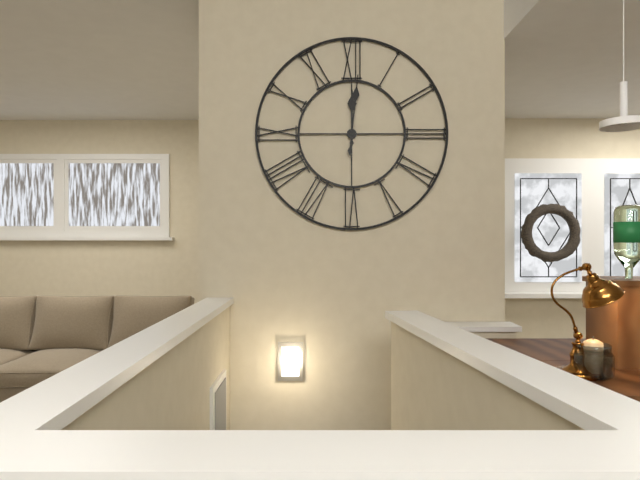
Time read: 12:01
